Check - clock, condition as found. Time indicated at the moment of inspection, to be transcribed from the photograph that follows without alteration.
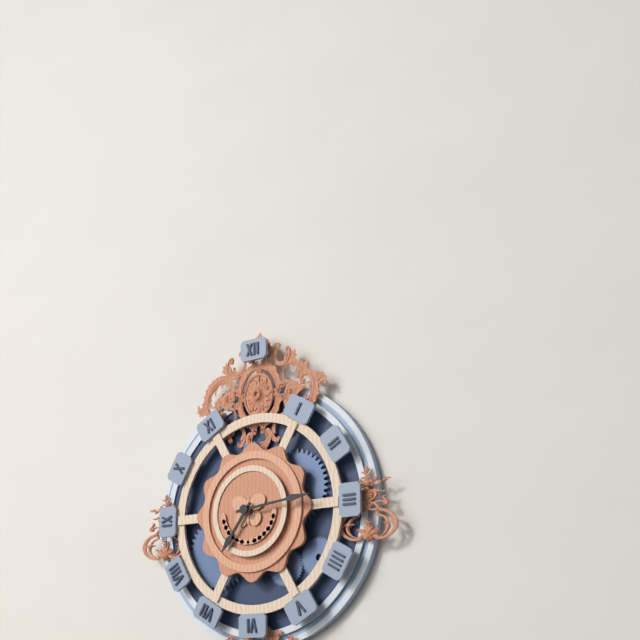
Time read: 7:14
